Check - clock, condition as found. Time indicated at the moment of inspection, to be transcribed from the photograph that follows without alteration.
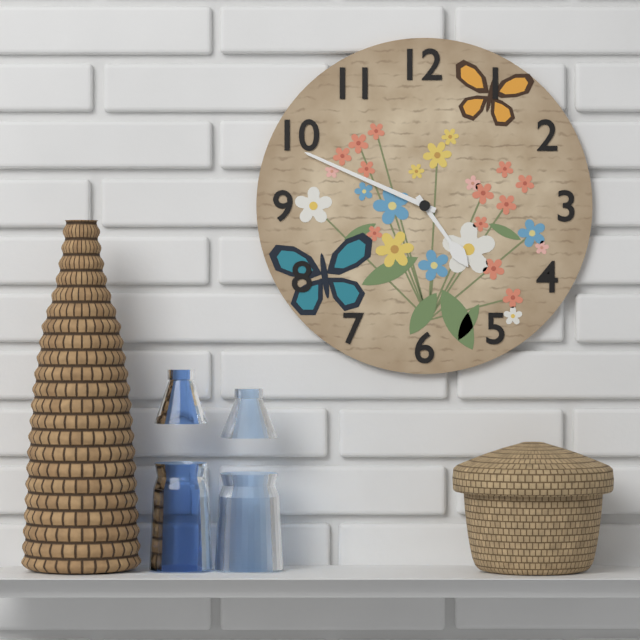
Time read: 4:49
